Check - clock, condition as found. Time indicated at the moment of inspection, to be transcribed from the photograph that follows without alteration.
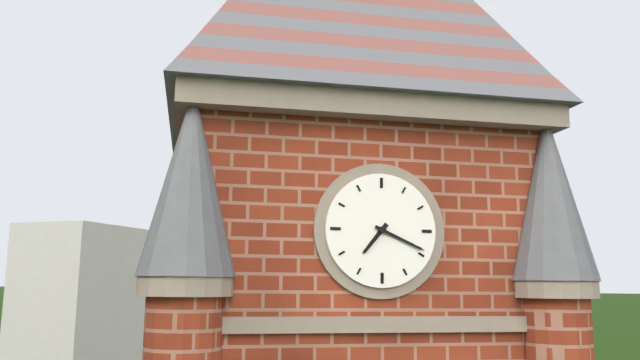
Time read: 7:19
